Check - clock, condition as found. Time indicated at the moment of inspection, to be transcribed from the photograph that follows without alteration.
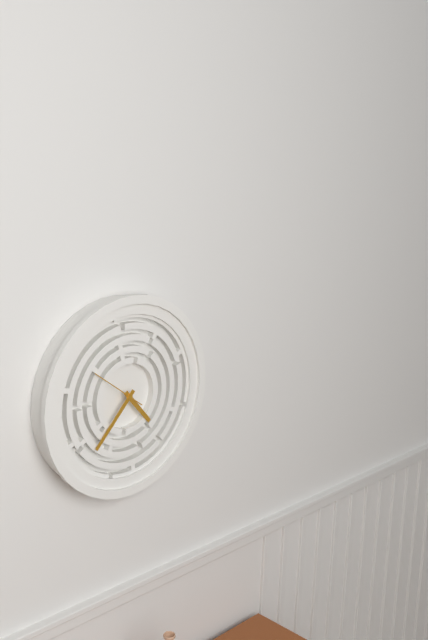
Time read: 4:37
